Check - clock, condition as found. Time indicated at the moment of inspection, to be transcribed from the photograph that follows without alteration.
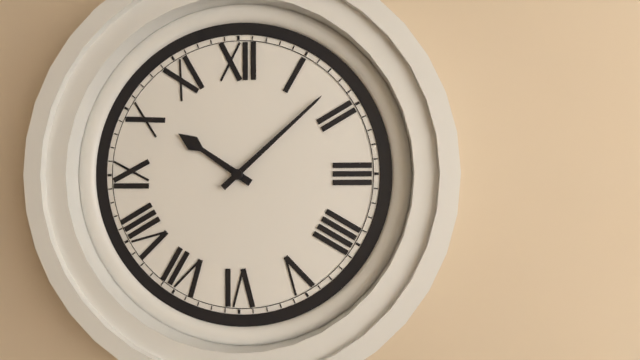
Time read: 10:08
